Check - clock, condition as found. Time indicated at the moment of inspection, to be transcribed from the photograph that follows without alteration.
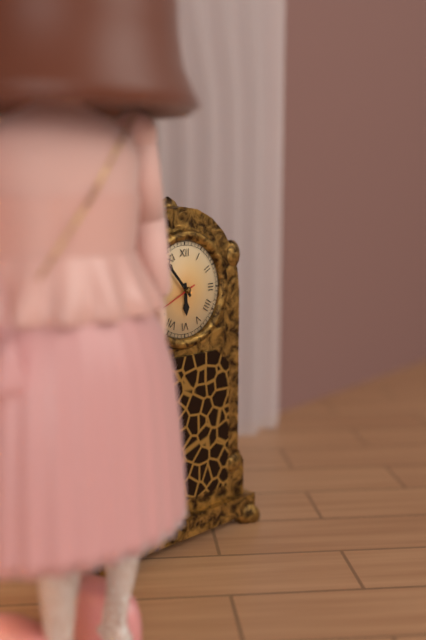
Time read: 5:53
